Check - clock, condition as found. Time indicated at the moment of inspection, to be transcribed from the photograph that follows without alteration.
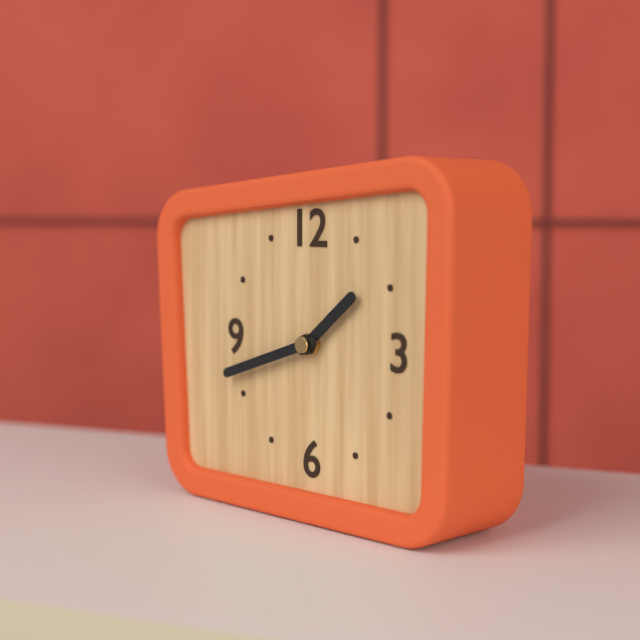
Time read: 1:42
